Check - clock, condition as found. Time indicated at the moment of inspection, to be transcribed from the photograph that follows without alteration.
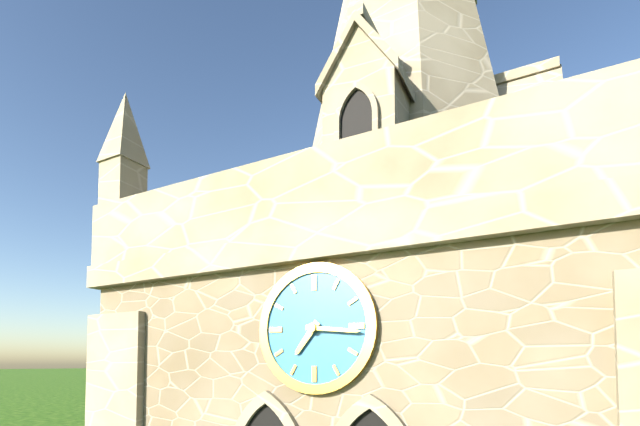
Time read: 7:16
